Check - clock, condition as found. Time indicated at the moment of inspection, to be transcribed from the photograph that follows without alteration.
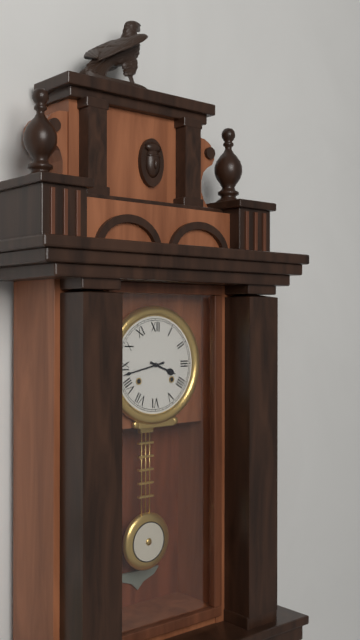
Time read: 3:43
